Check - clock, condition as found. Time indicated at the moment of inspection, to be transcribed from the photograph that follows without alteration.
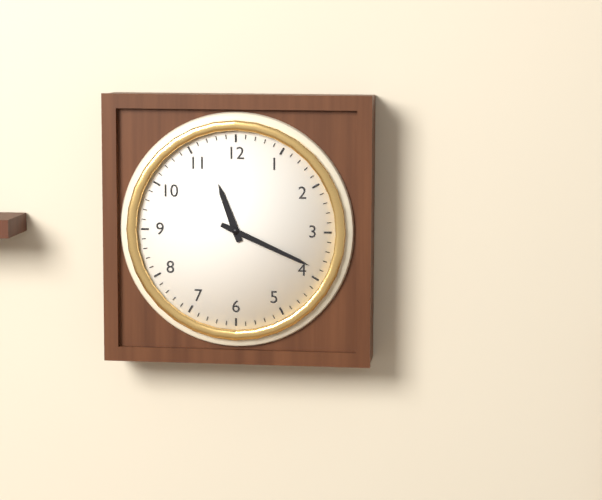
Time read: 11:19
